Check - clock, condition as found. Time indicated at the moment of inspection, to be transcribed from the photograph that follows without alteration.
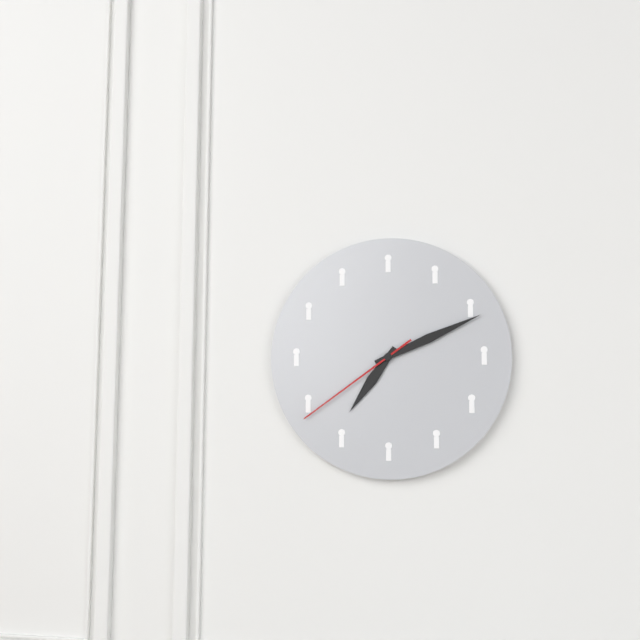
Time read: 7:11:39
